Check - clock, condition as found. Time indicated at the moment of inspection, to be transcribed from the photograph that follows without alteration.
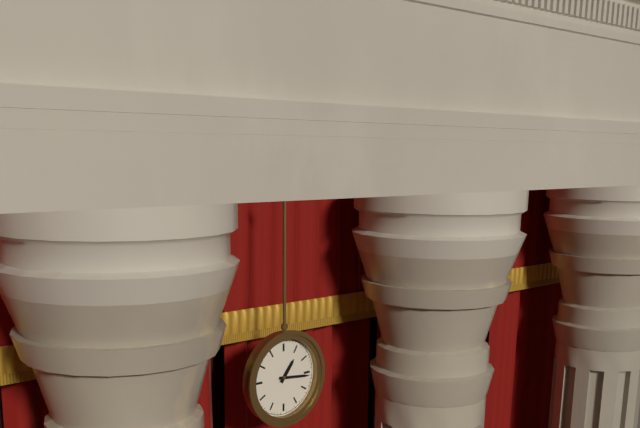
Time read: 1:16
